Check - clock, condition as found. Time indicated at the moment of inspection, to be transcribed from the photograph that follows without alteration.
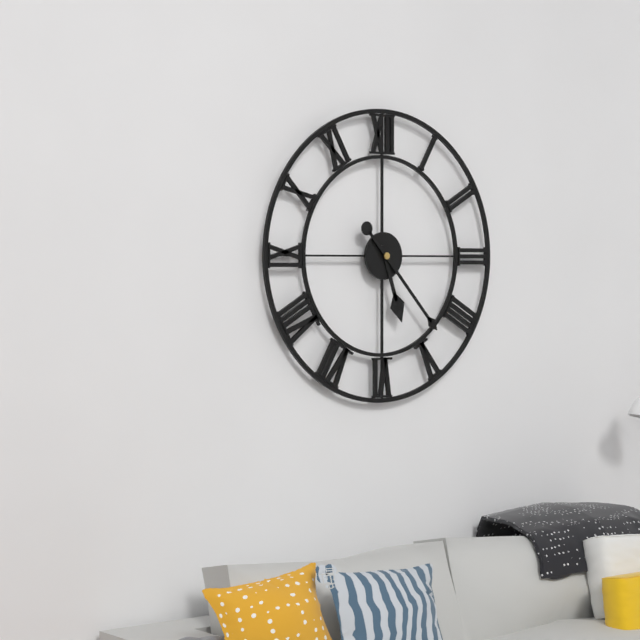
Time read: 5:23
